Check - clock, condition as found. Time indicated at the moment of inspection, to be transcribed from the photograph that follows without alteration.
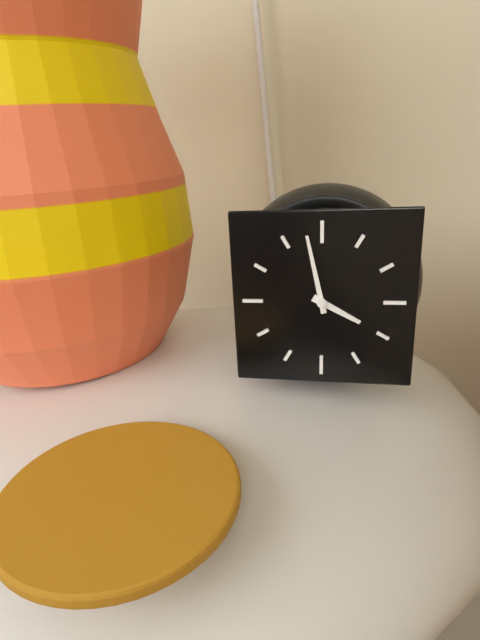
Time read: 3:58
